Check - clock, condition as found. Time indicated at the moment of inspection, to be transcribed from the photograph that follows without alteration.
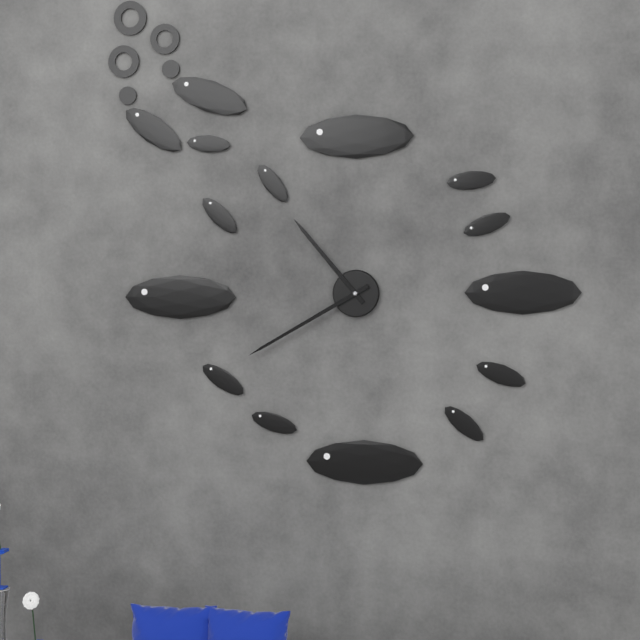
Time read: 10:40
